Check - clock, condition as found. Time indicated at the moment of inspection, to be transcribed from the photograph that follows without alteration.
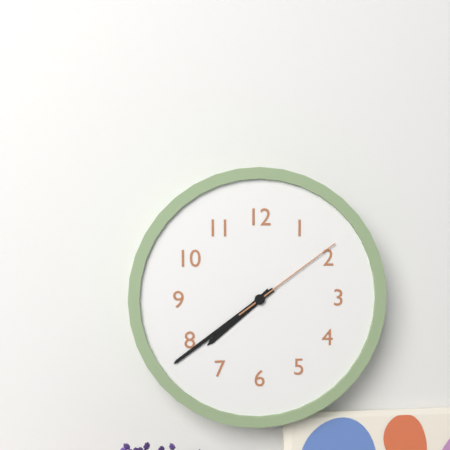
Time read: 7:39:09
